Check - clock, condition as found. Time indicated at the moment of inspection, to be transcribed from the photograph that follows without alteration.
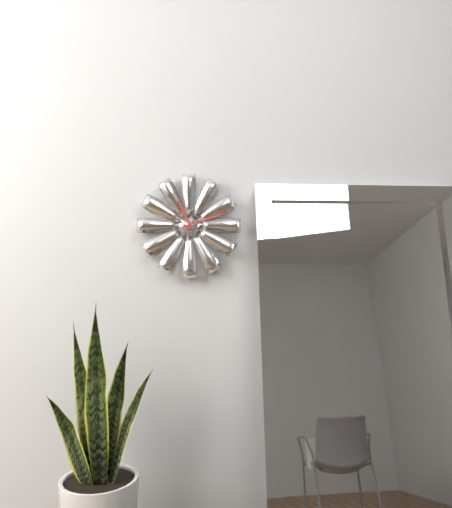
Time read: 11:12
